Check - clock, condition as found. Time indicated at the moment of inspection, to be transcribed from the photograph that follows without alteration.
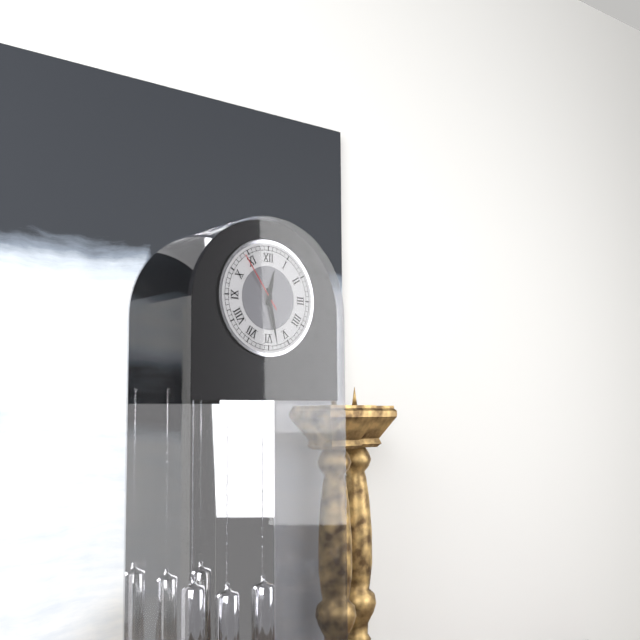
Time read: 12:28:54
